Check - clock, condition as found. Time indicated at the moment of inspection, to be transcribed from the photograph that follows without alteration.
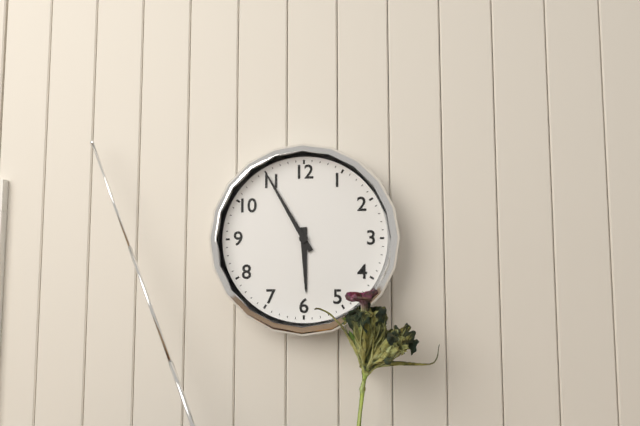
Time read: 5:55
